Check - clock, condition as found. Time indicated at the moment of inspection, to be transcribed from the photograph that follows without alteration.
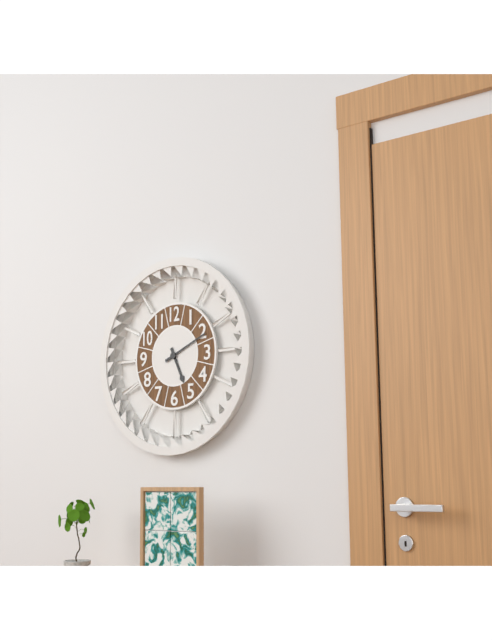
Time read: 5:11
